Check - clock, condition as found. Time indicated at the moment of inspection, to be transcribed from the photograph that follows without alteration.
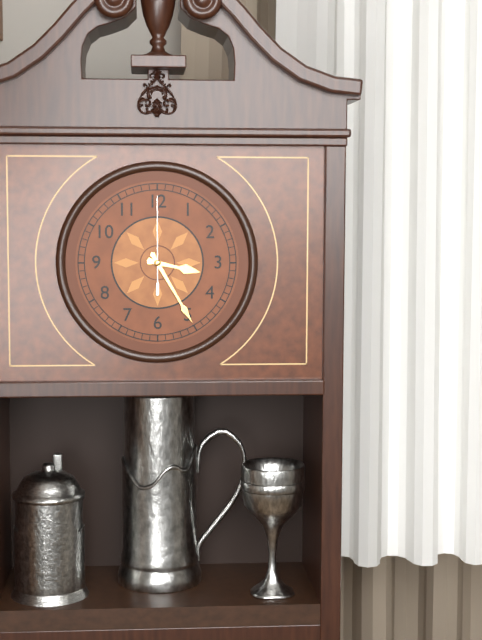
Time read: 3:25:00
